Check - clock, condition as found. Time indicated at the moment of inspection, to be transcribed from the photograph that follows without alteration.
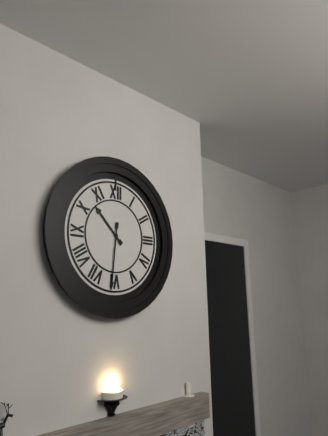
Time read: 10:31
